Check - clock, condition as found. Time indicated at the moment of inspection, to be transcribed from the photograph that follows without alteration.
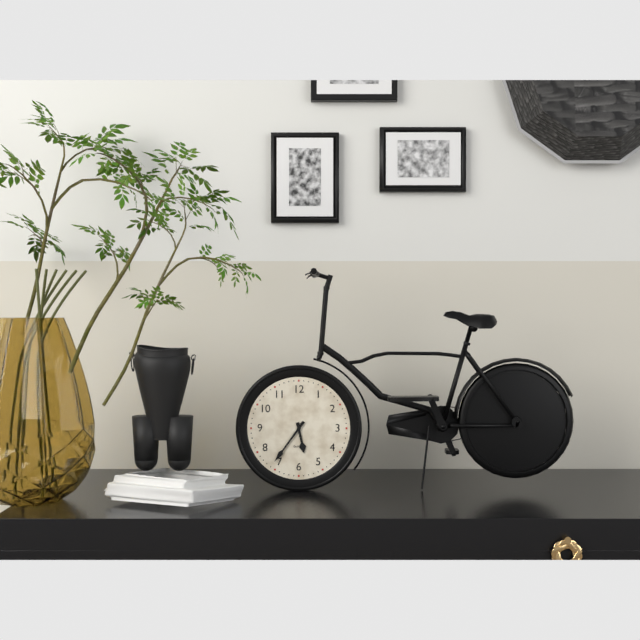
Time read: 5:36
